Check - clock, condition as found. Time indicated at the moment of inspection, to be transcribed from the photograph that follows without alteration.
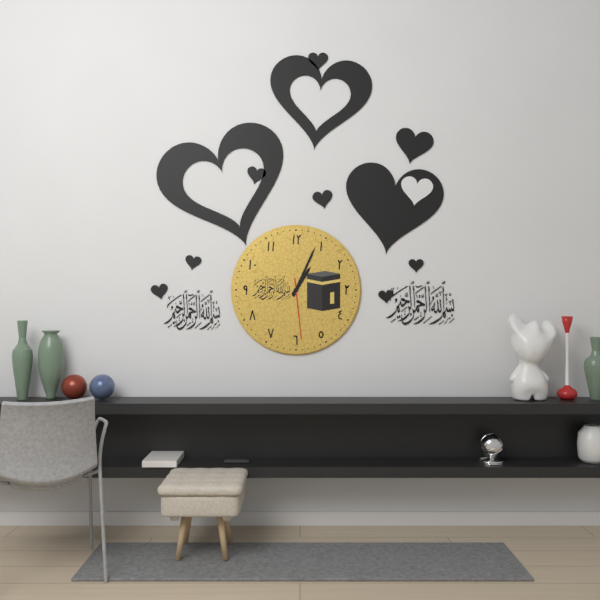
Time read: 1:04:29
